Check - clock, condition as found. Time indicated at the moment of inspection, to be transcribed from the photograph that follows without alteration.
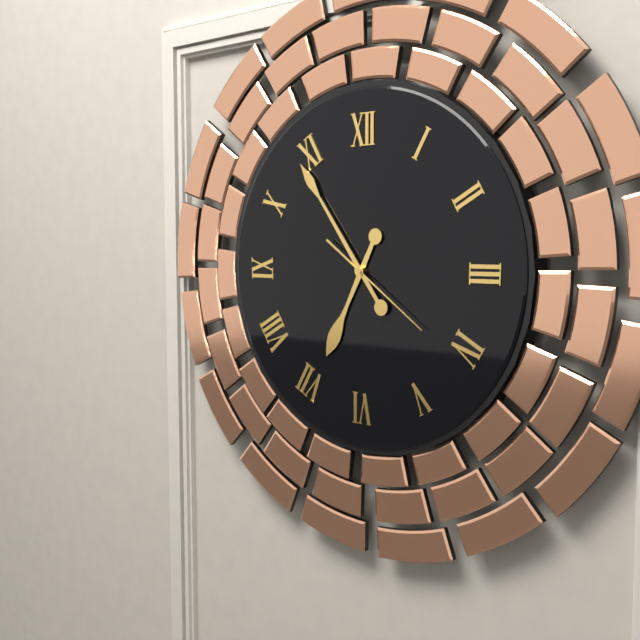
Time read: 6:54:21
